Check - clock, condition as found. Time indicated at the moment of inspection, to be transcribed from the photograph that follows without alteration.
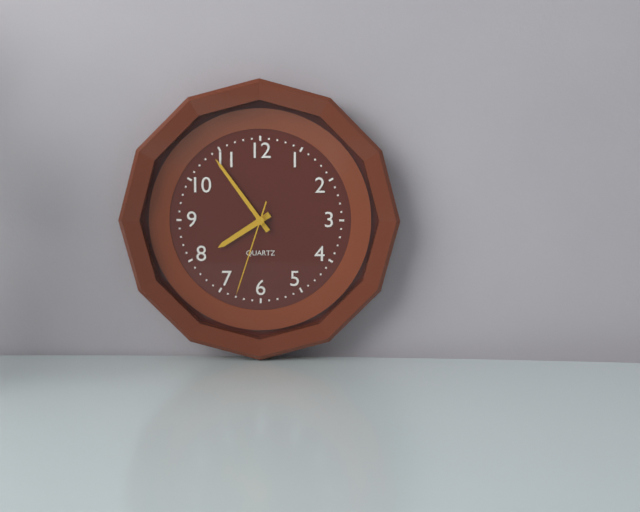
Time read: 7:54:33
